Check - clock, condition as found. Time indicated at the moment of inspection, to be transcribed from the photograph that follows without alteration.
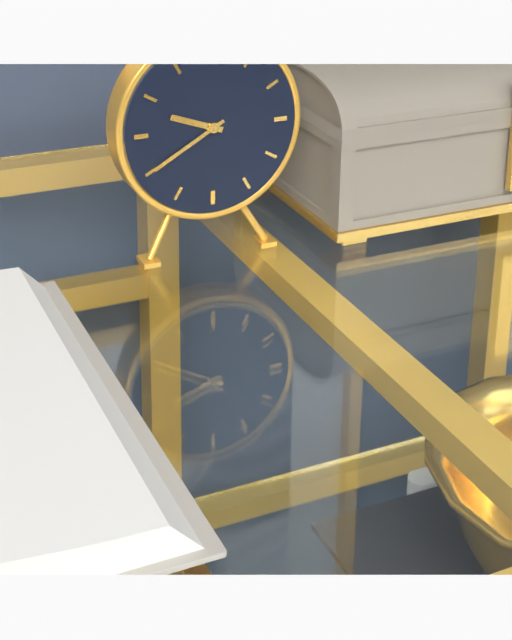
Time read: 9:40
